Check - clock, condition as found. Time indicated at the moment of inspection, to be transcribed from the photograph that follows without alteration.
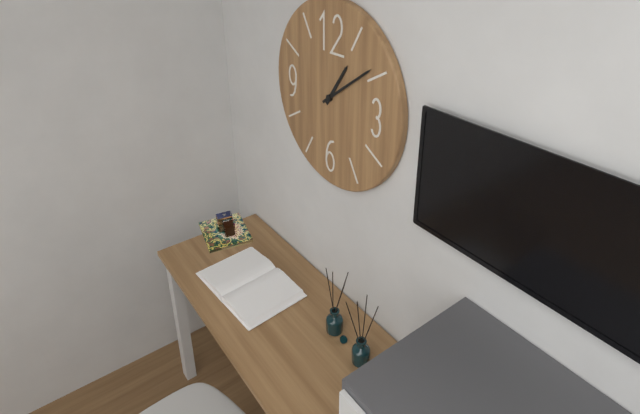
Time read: 1:09
